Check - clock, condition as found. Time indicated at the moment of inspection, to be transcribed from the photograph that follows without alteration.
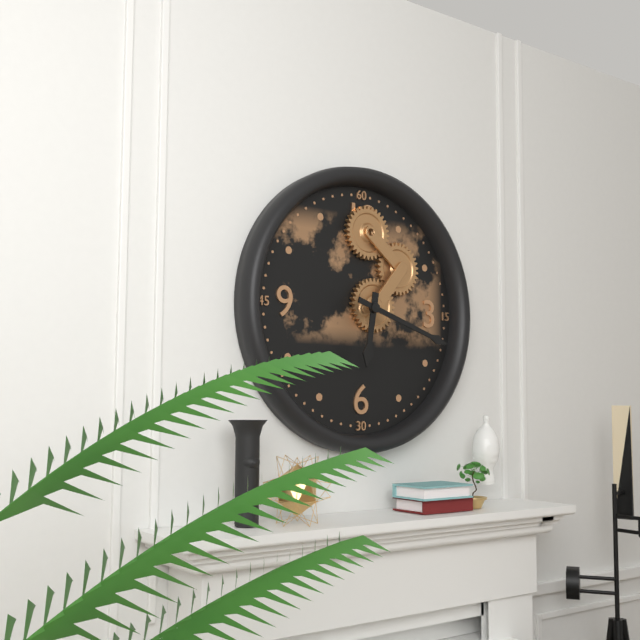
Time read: 6:18
